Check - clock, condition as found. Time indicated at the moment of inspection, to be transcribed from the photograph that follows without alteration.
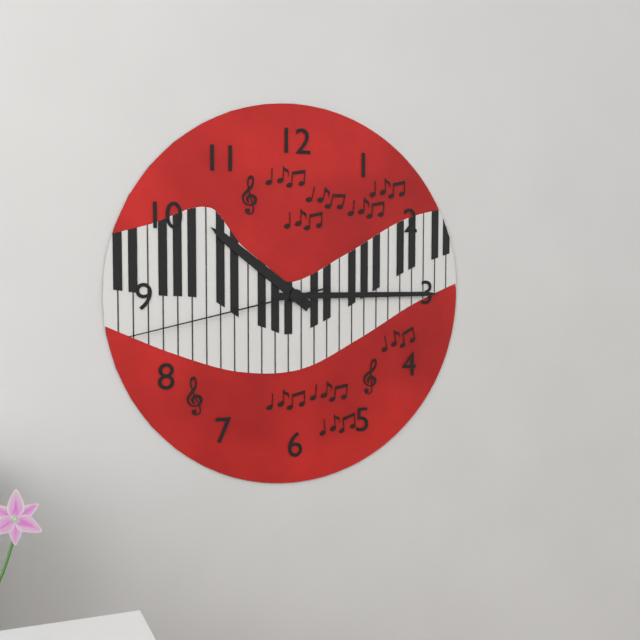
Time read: 10:15:43
